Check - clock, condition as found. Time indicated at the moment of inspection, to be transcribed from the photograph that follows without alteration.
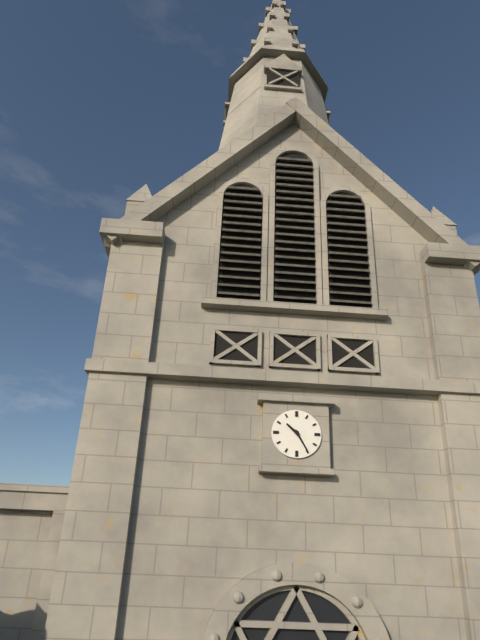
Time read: 10:25
